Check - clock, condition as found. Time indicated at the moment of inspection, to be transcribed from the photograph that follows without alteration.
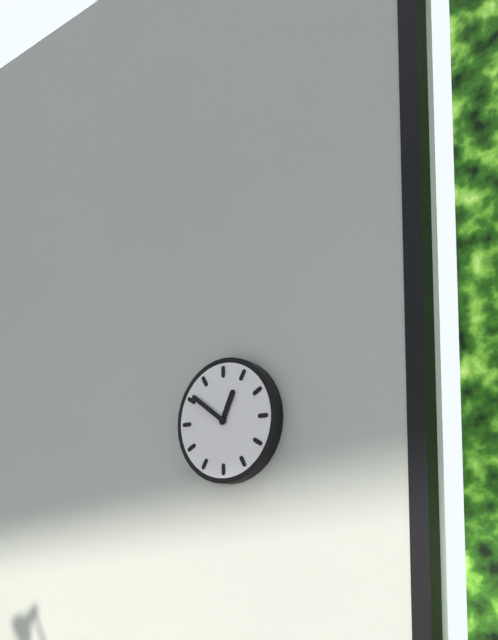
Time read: 12:51
